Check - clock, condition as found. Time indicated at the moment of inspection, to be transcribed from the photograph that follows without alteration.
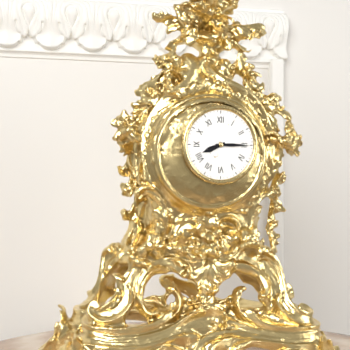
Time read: 8:15
